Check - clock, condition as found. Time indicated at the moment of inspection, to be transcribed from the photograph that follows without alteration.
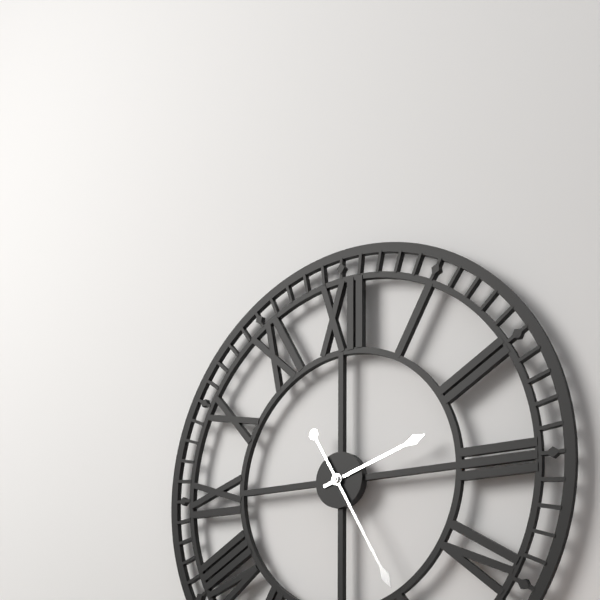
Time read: 2:25
